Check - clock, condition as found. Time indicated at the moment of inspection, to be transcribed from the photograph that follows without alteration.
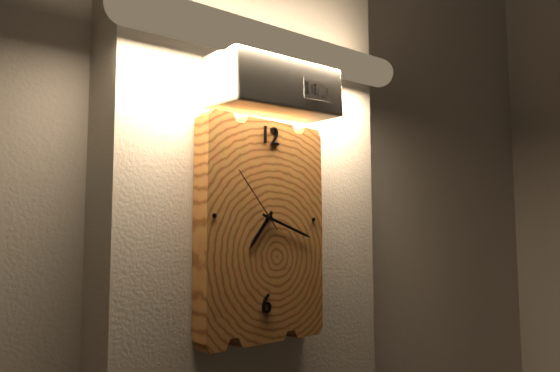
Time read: 7:18:53
